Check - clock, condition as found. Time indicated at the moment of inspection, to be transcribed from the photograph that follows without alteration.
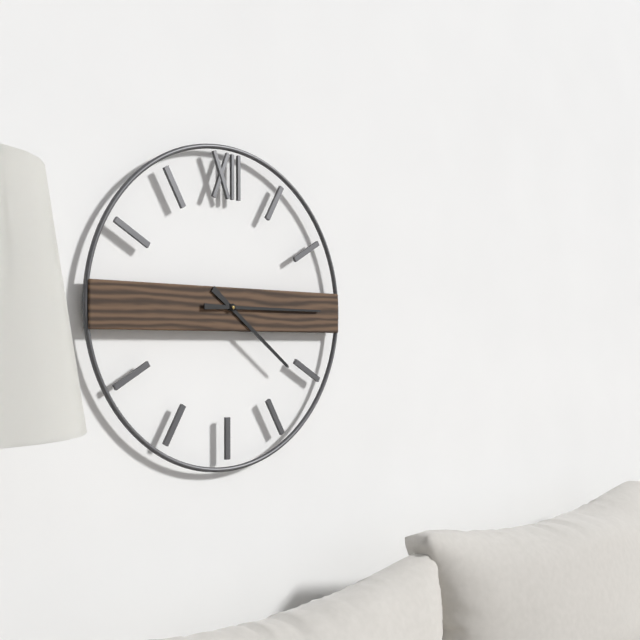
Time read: 4:15
